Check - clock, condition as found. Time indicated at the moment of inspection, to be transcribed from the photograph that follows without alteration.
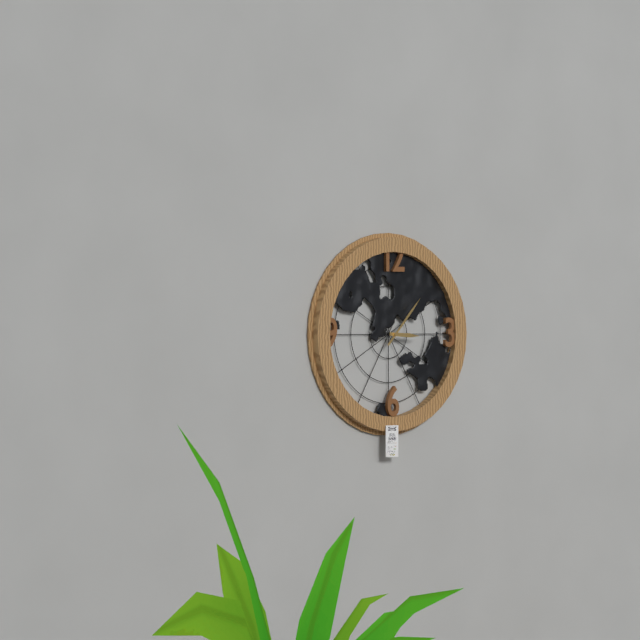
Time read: 3:07
